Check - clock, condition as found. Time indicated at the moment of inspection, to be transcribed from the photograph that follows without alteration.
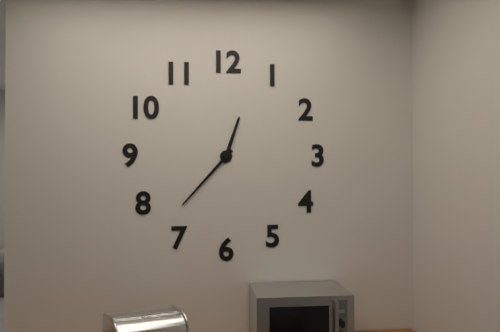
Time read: 12:37
